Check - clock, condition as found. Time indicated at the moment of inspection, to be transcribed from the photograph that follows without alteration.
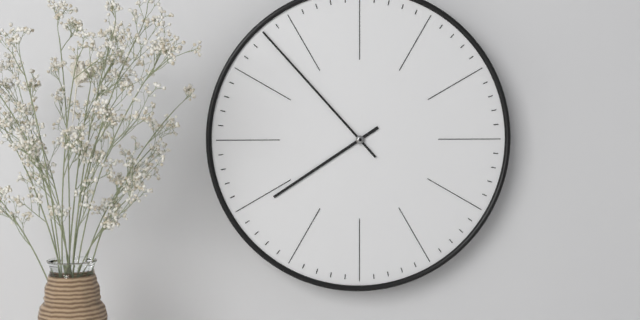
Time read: 7:53
